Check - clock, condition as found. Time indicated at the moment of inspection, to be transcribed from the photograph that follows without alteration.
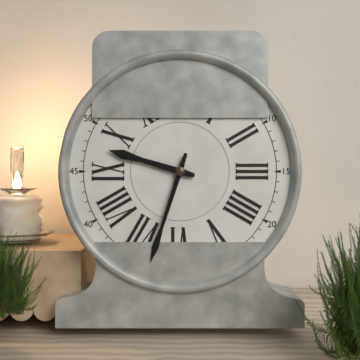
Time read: 9:33
